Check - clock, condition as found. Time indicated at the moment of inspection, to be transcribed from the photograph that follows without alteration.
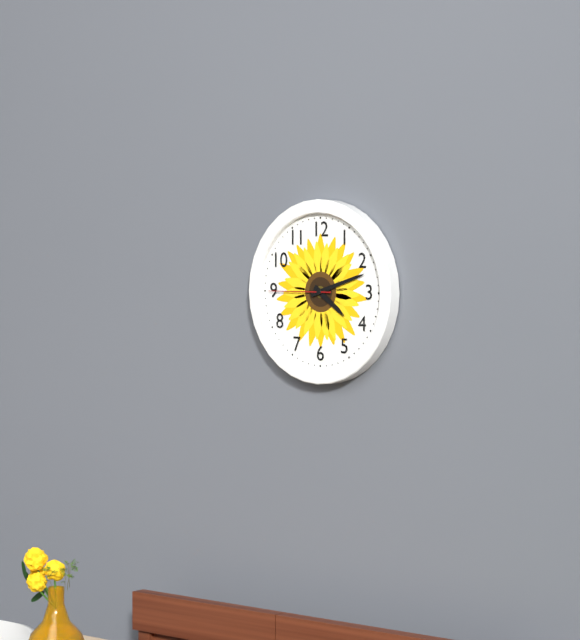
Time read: 4:12:45
